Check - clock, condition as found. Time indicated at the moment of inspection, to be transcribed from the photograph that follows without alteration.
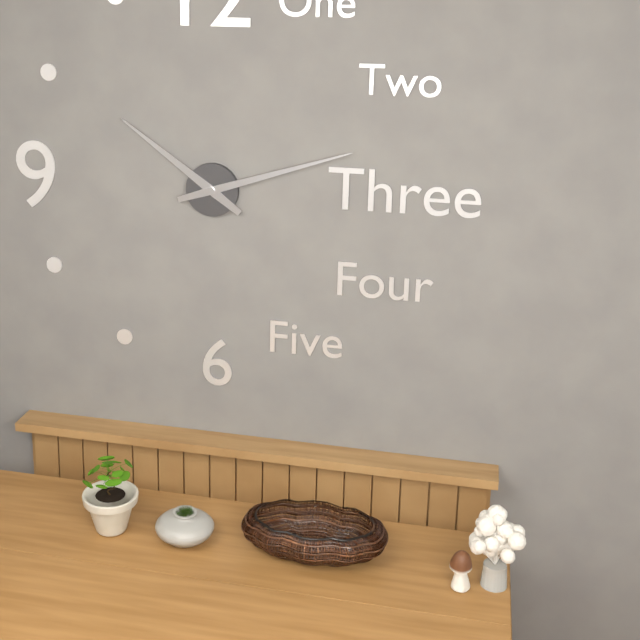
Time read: 10:12
